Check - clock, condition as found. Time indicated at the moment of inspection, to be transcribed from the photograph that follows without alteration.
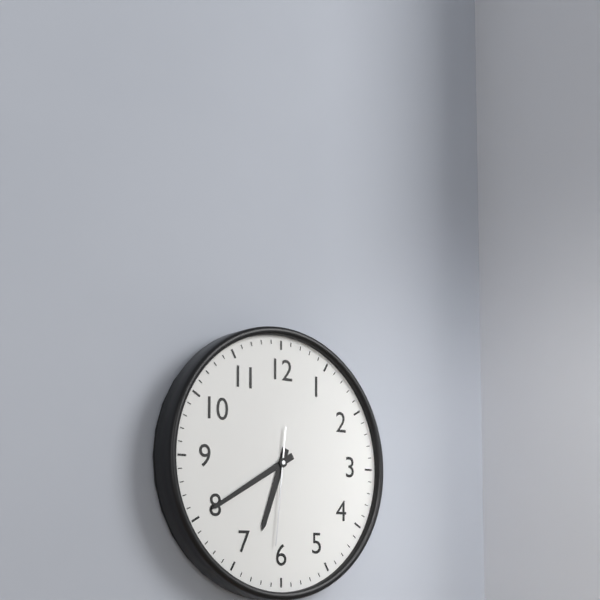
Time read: 6:40:31
